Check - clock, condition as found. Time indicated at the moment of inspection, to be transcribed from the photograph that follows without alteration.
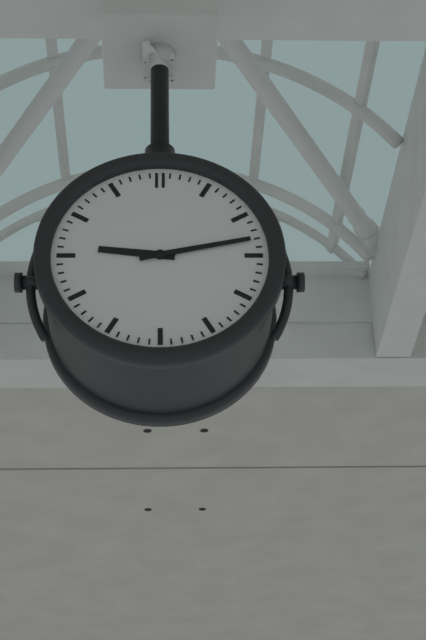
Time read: 9:13
